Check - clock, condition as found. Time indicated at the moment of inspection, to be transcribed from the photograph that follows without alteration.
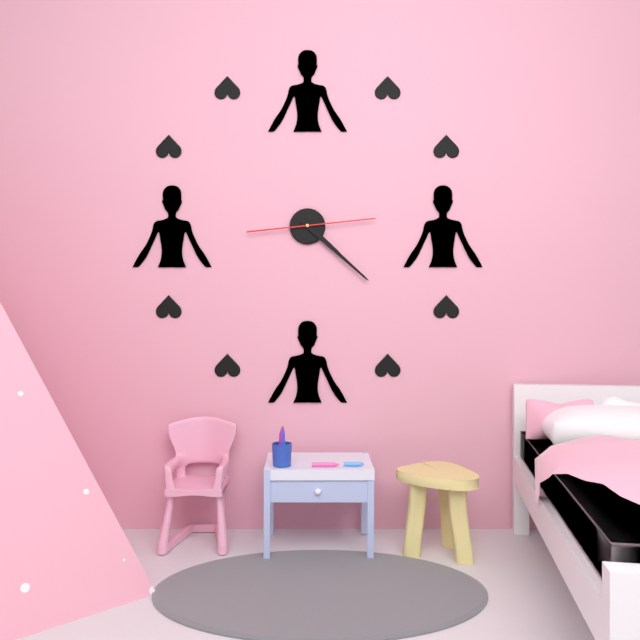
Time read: 4:22:14
